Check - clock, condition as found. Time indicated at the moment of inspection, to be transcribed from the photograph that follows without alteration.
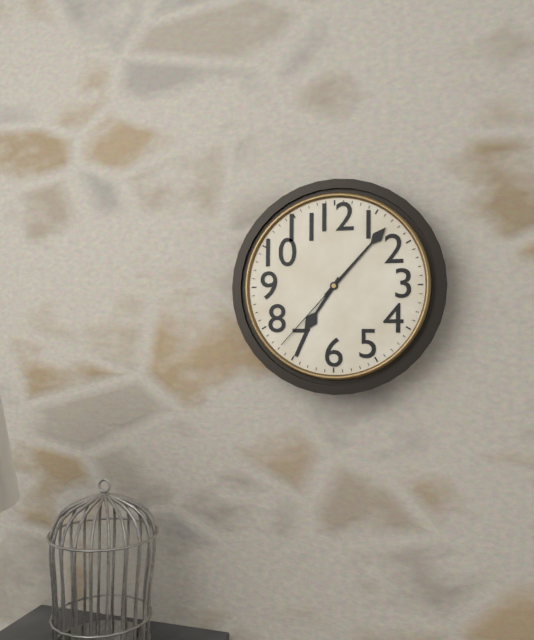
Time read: 7:07:37
